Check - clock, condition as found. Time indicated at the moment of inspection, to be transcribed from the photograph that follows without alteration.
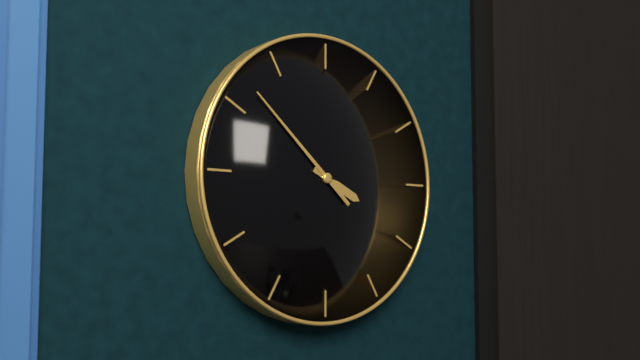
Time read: 3:52
